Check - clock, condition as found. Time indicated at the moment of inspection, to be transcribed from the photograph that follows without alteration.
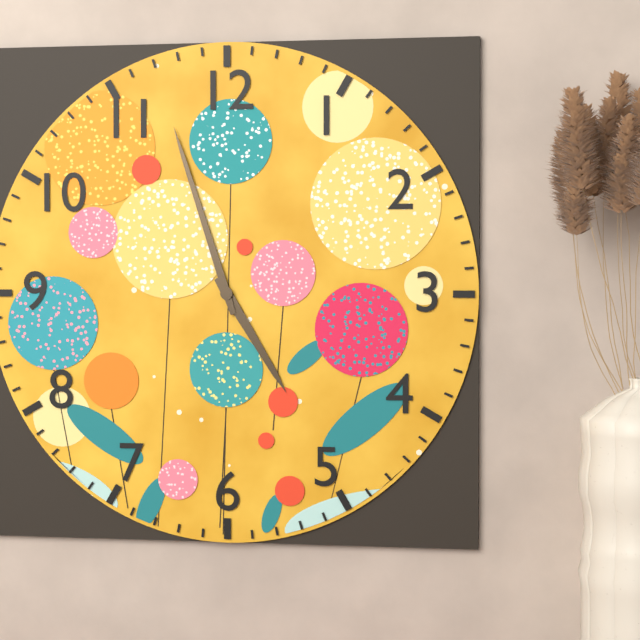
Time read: 4:57
